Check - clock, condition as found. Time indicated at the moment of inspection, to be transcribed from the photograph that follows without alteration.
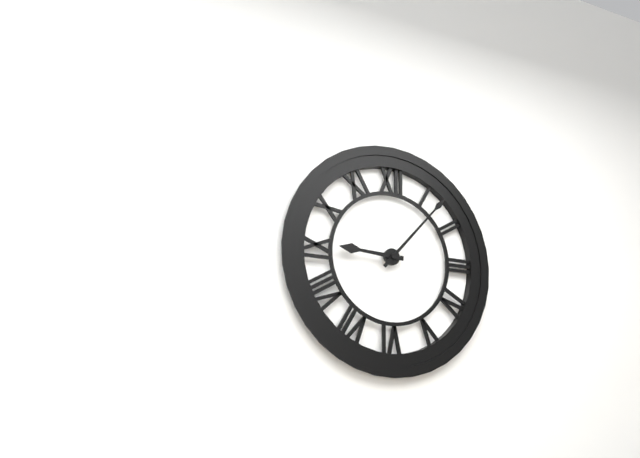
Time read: 9:07
